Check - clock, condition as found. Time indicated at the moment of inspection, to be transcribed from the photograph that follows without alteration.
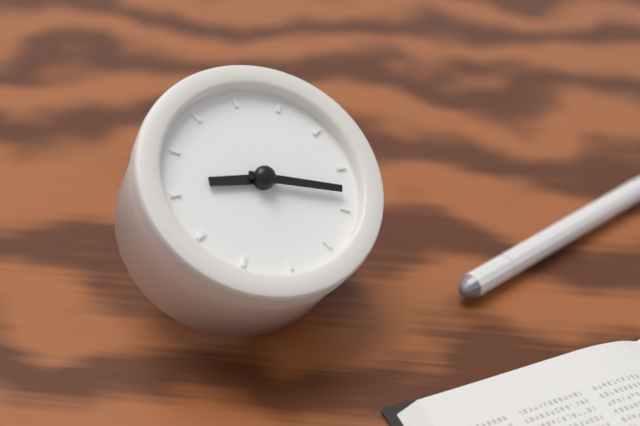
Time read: 8:13
